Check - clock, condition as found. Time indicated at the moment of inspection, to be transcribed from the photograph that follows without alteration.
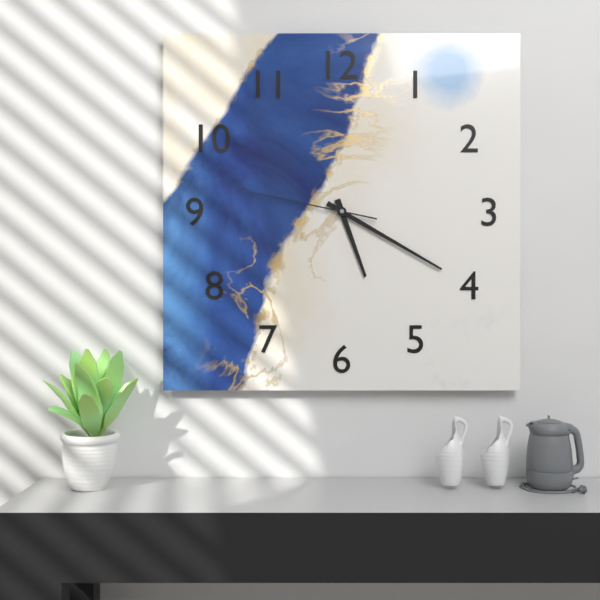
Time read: 5:20:47
